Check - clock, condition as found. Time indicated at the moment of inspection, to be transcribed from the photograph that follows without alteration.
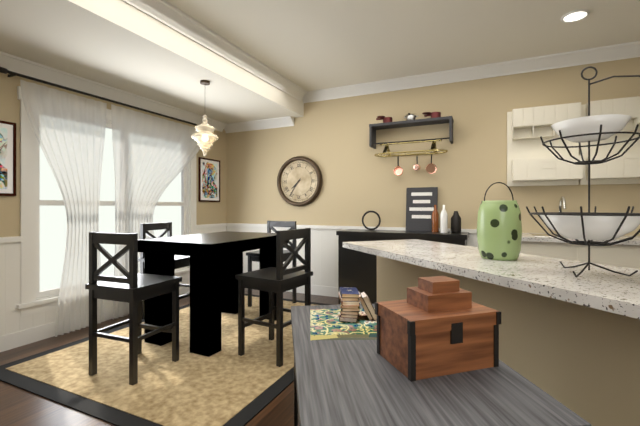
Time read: 7:36
